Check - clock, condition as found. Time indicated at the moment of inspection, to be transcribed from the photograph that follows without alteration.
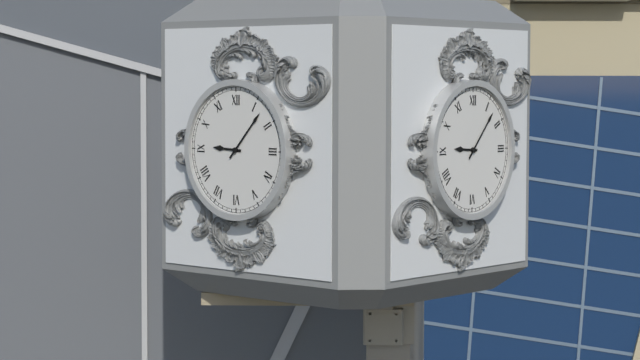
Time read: 9:07
